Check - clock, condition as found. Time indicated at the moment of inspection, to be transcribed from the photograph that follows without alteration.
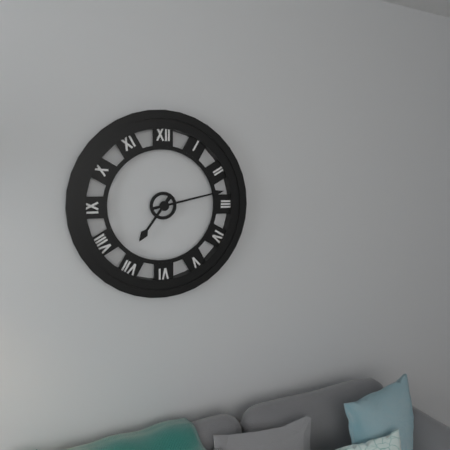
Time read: 7:13
